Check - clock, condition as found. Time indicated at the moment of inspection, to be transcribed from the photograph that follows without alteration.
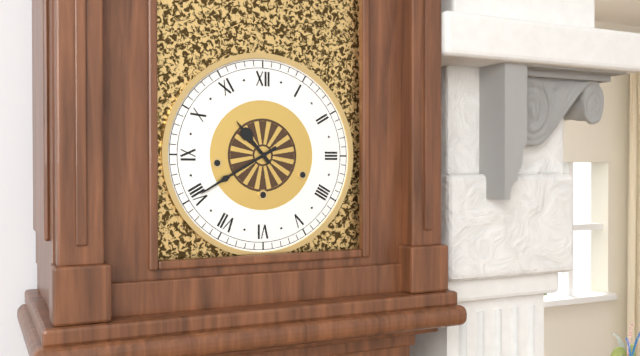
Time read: 10:40
